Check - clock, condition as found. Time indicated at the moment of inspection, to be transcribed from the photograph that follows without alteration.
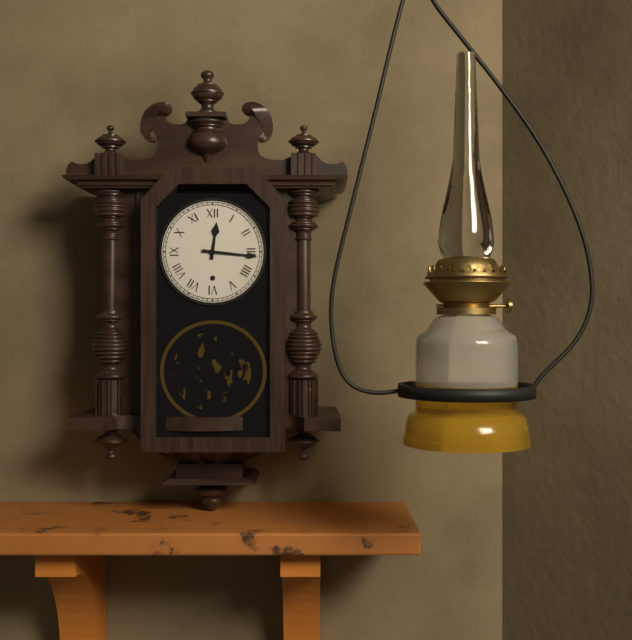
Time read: 12:16
